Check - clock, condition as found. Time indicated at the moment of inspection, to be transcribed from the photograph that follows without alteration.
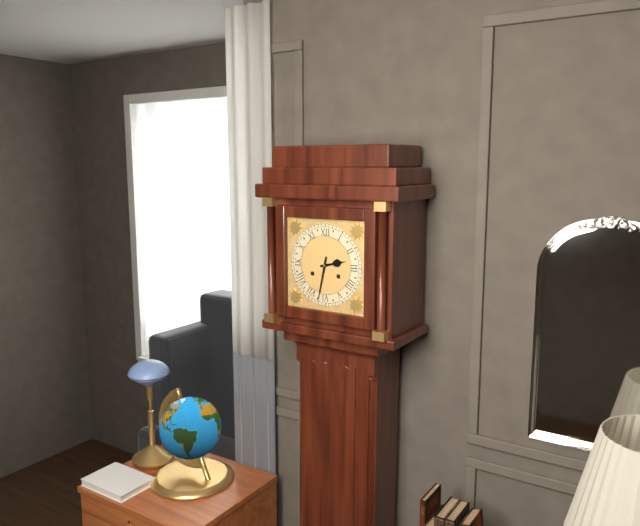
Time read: 2:32
